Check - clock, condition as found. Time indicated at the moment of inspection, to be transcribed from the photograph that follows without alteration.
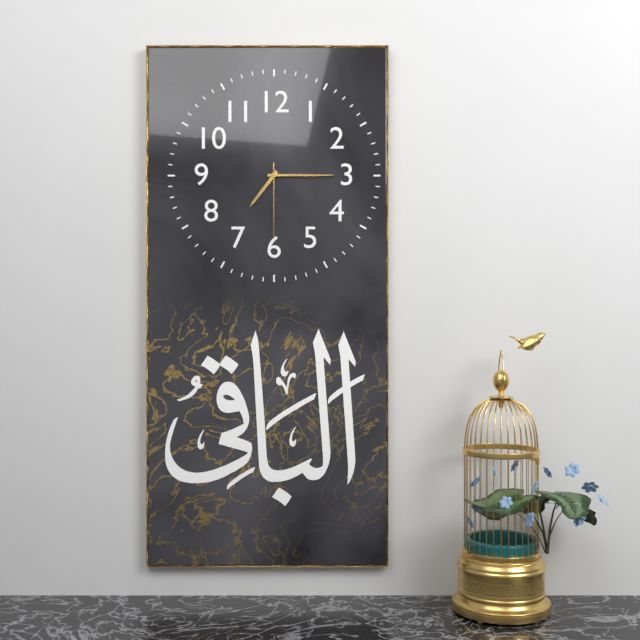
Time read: 7:15:30
